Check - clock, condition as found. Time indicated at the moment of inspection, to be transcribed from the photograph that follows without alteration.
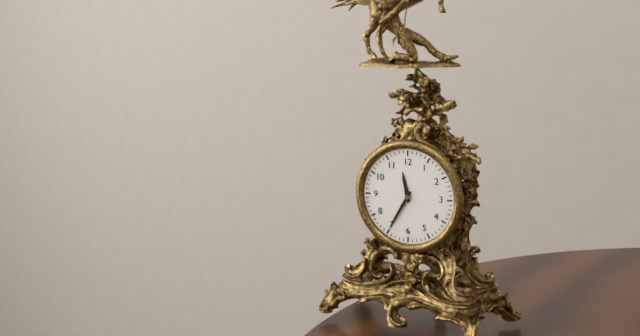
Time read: 11:35
